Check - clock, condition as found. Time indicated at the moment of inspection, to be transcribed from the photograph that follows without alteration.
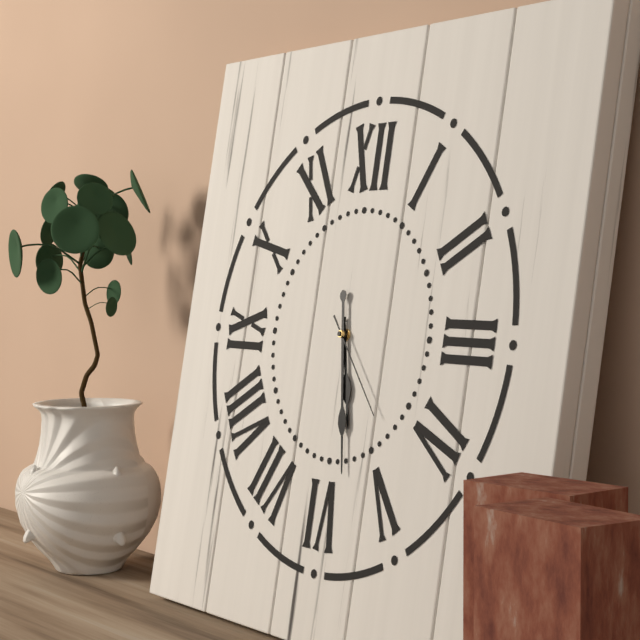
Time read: 5:28:23
